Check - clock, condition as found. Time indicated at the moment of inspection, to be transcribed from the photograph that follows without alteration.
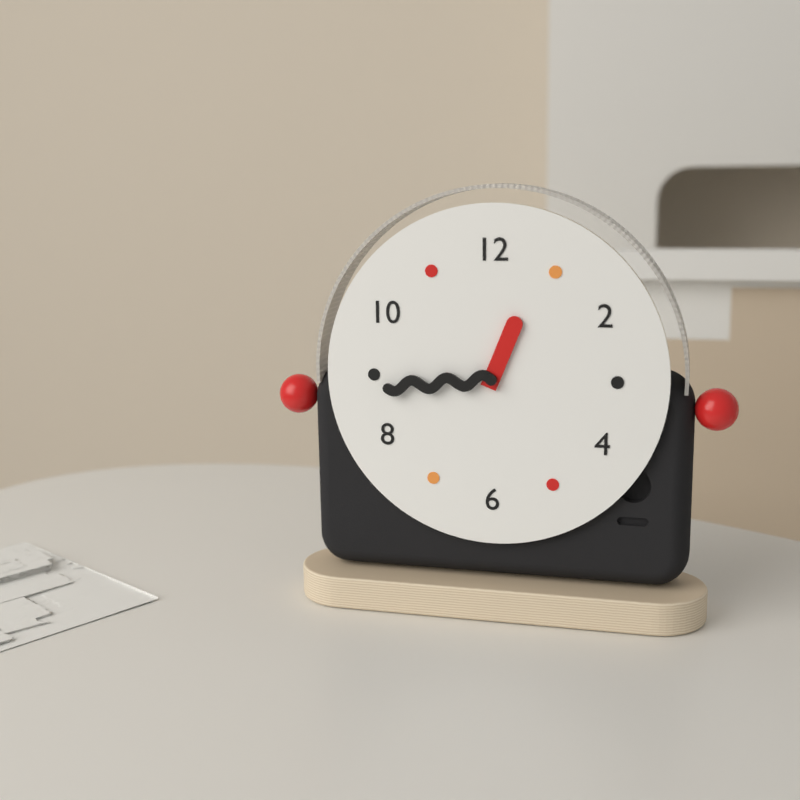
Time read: 12:44
